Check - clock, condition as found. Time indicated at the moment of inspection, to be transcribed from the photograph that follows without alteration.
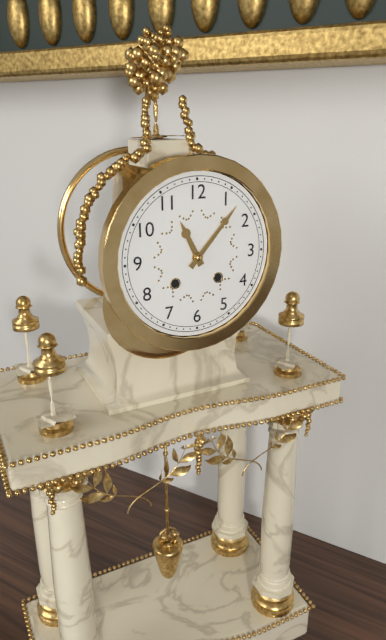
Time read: 11:07
